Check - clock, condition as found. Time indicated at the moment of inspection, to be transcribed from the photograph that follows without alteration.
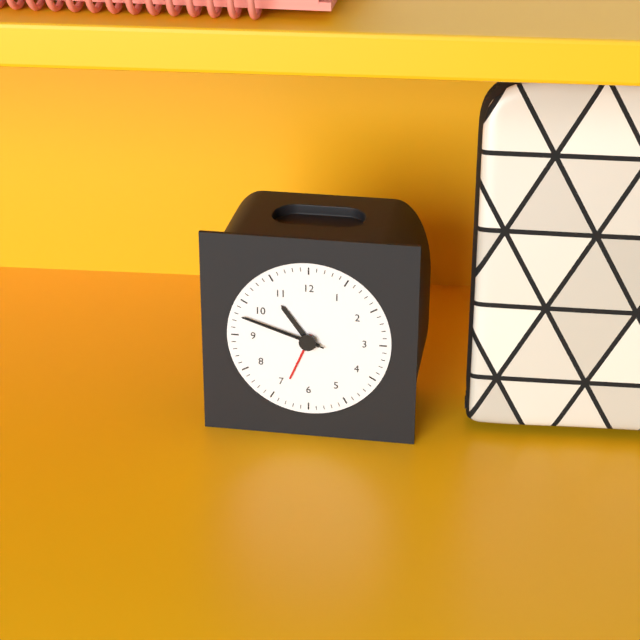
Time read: 10:48:48
